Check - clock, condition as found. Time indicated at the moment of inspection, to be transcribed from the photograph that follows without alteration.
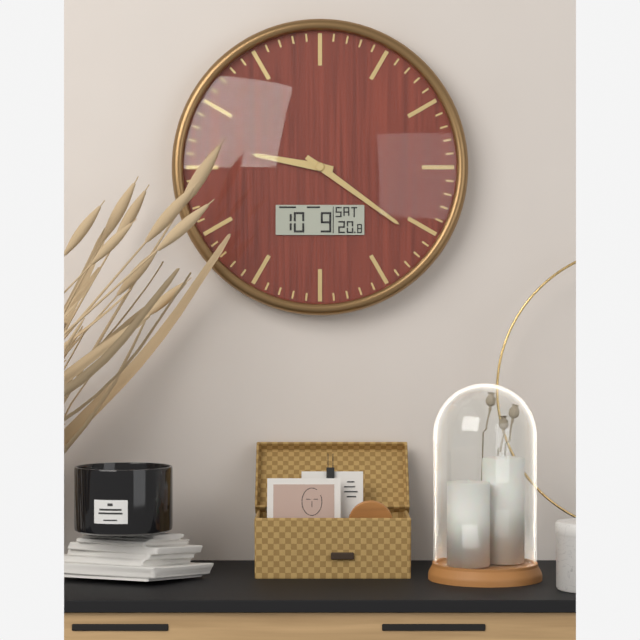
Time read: 9:21
